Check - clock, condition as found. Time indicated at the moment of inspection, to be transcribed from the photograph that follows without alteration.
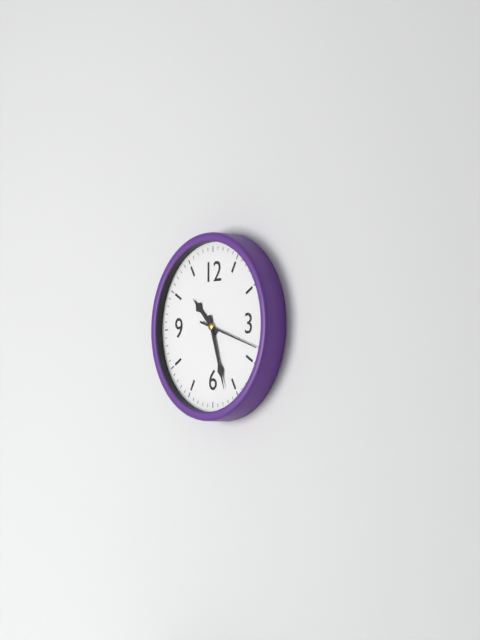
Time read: 10:27
